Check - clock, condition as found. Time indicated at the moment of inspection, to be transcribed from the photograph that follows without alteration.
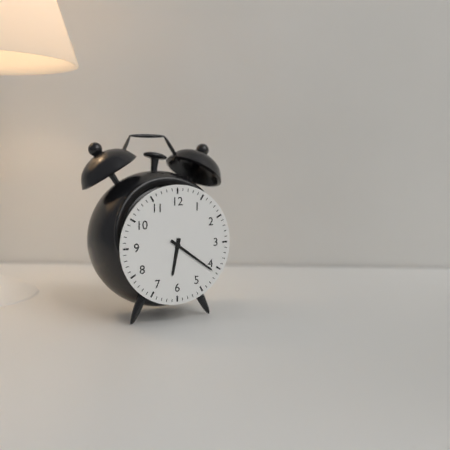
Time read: 6:21
